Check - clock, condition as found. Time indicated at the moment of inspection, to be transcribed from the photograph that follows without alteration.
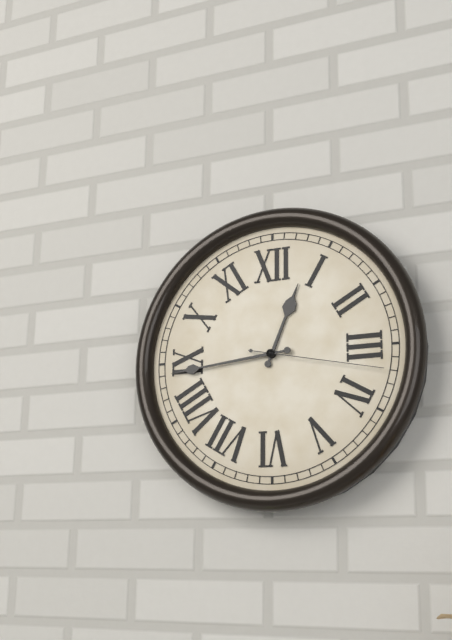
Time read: 12:44:17
